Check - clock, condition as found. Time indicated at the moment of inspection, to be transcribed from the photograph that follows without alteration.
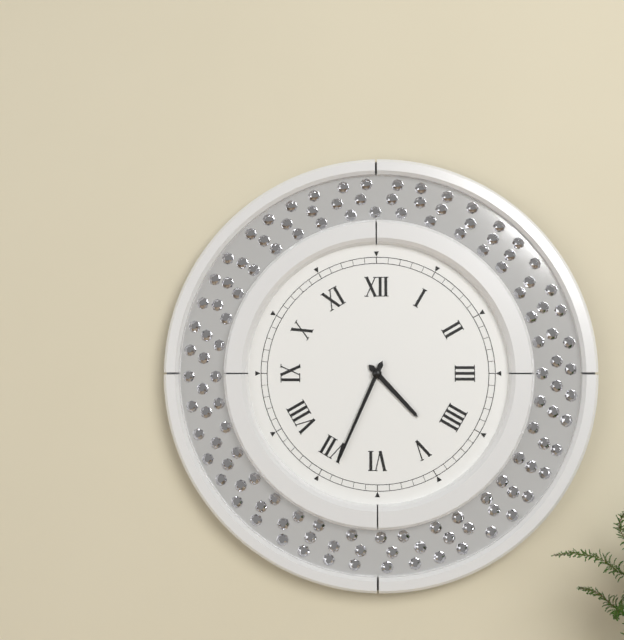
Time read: 4:34
